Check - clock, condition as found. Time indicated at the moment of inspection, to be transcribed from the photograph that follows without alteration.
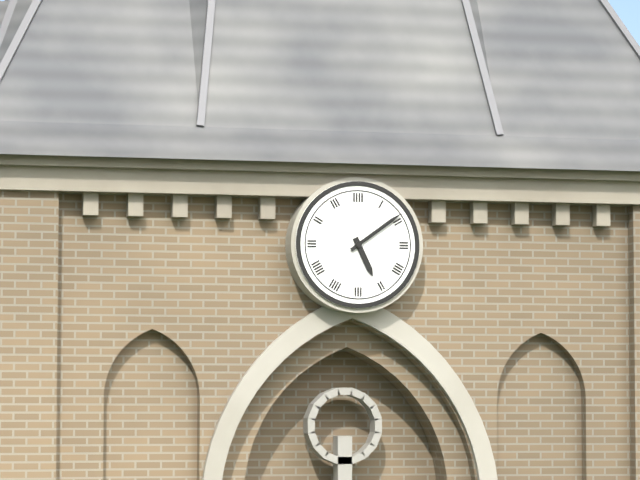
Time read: 5:09
